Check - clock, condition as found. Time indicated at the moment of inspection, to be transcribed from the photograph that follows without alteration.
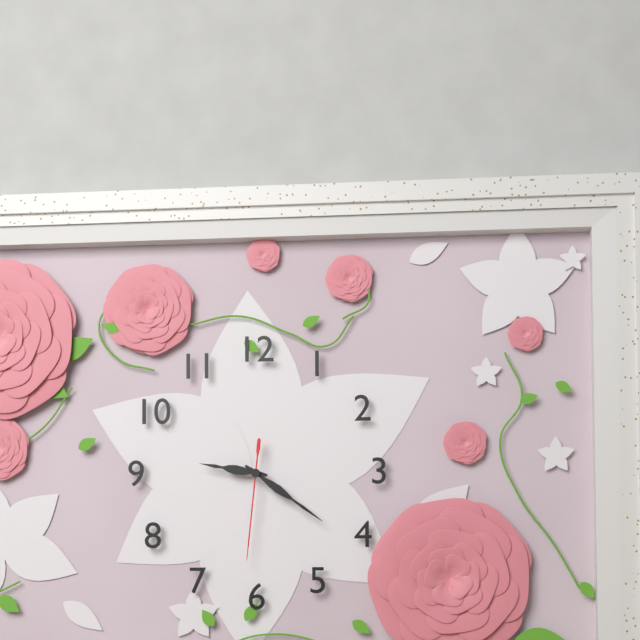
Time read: 9:21:31
